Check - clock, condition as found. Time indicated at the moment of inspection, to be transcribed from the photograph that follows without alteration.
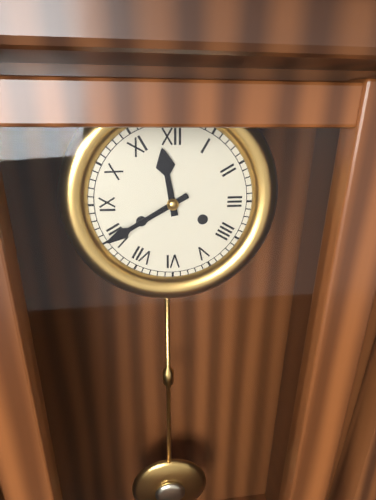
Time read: 11:40
